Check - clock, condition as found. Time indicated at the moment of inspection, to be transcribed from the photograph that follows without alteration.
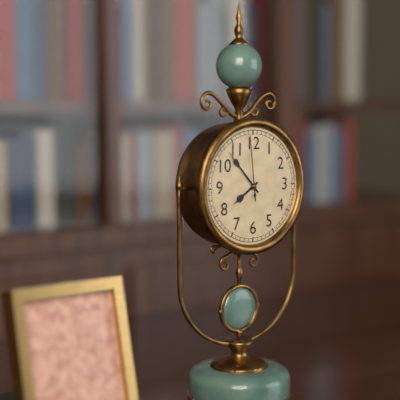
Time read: 7:53:59
